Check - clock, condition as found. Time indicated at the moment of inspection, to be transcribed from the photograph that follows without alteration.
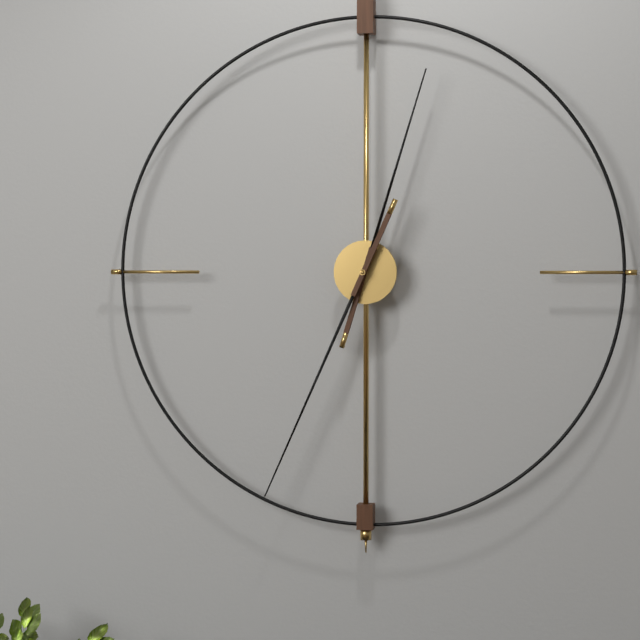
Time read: 12:34
